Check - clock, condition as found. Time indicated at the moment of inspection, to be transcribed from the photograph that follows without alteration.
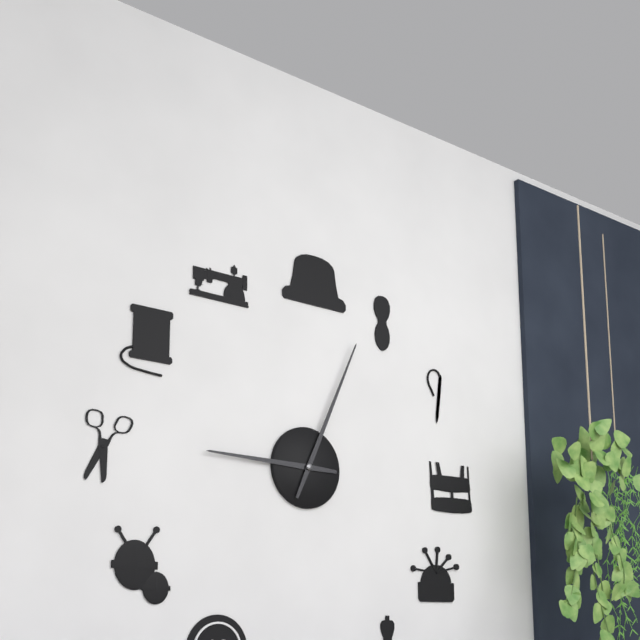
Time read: 9:04
